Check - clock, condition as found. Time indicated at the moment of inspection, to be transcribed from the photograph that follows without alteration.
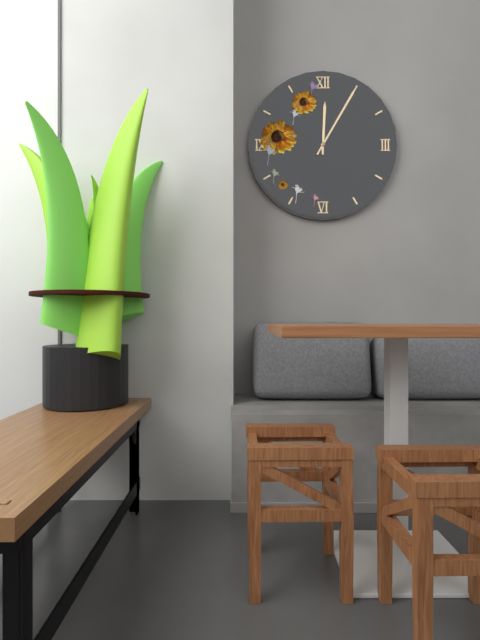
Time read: 12:05
